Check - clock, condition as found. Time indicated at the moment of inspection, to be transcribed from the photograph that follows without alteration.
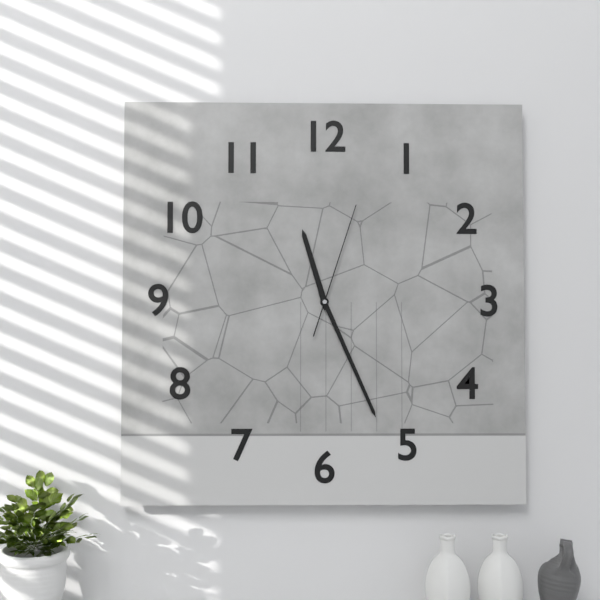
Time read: 11:26:03
